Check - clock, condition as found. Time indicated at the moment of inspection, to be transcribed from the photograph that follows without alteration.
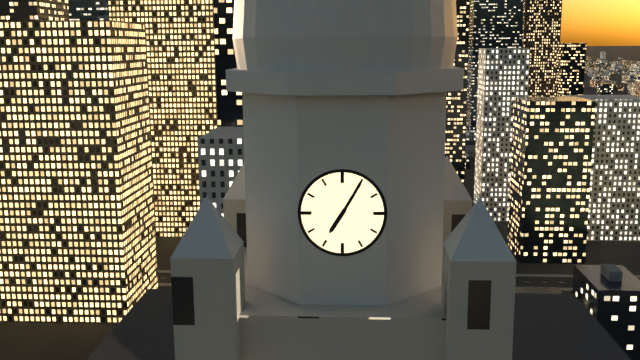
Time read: 7:05
